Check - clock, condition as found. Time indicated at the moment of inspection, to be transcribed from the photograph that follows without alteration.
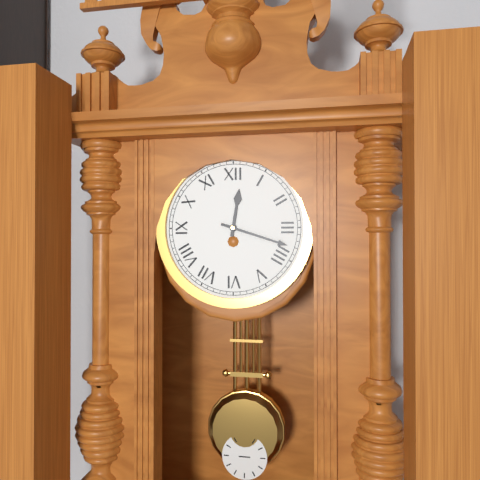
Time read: 12:18
